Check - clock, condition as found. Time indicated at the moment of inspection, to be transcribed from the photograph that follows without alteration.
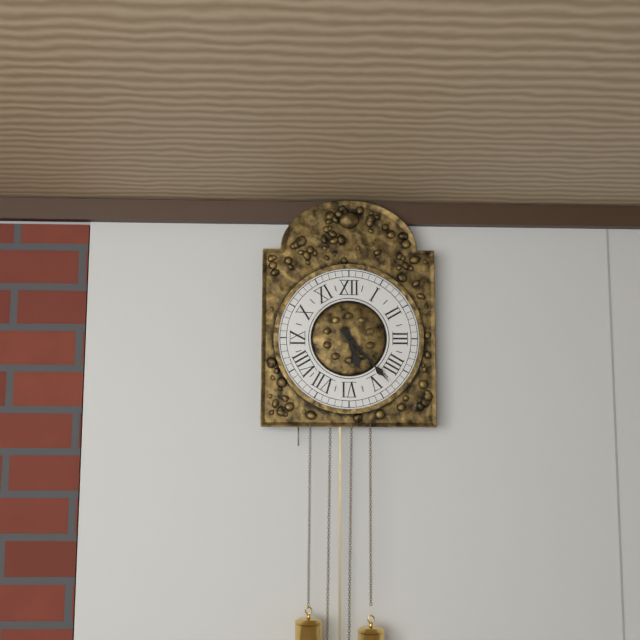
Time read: 5:23
